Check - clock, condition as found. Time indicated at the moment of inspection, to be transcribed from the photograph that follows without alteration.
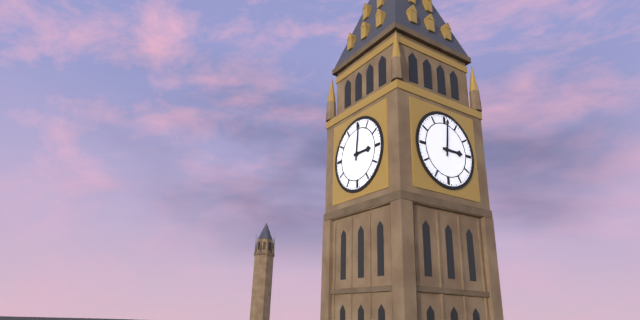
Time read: 3:01
